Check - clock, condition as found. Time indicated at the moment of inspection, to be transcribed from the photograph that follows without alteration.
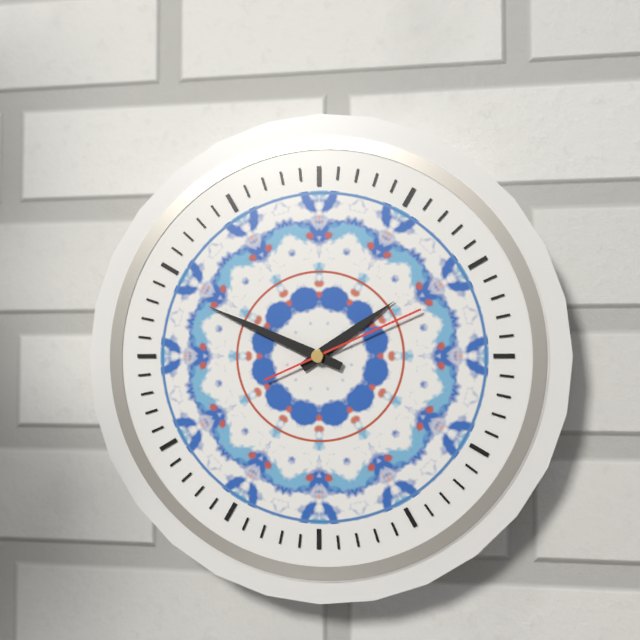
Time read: 1:49:11
